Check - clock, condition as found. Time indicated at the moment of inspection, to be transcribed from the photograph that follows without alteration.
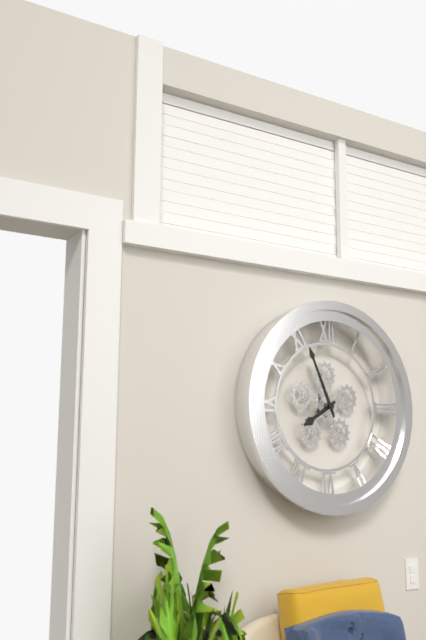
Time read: 7:56
